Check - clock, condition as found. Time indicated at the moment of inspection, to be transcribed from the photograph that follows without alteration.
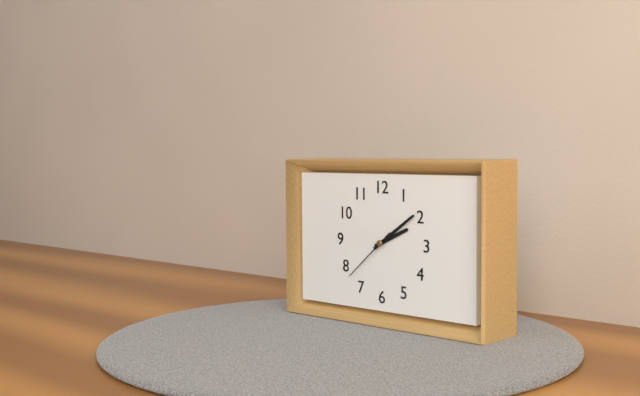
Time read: 2:09:38
